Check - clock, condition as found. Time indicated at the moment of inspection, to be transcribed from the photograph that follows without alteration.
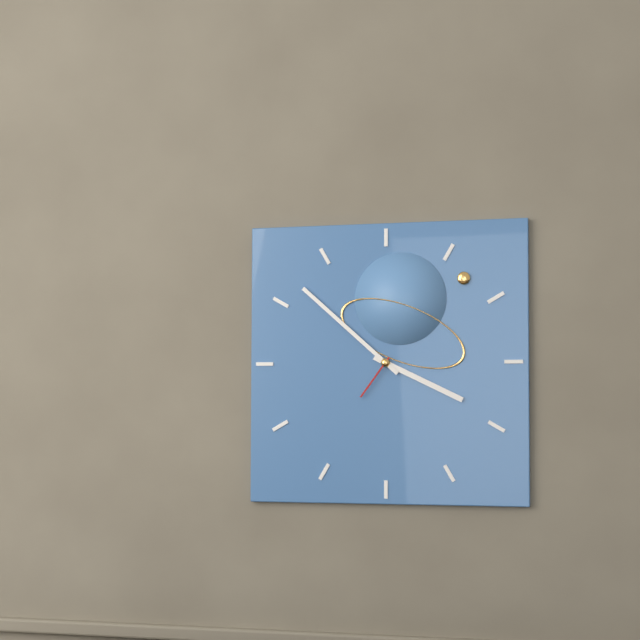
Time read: 3:52:36
